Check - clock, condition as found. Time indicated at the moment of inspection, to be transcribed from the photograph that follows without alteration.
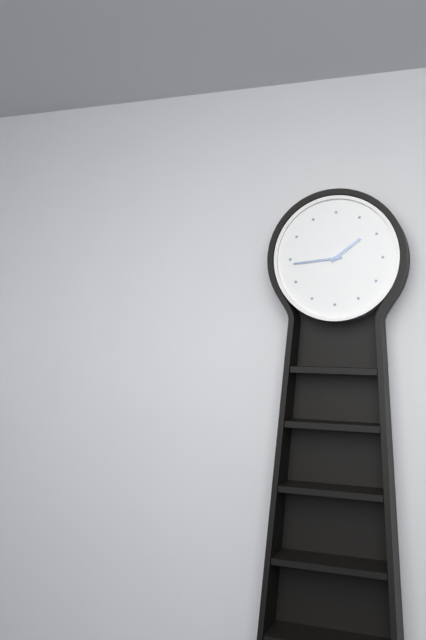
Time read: 1:44
